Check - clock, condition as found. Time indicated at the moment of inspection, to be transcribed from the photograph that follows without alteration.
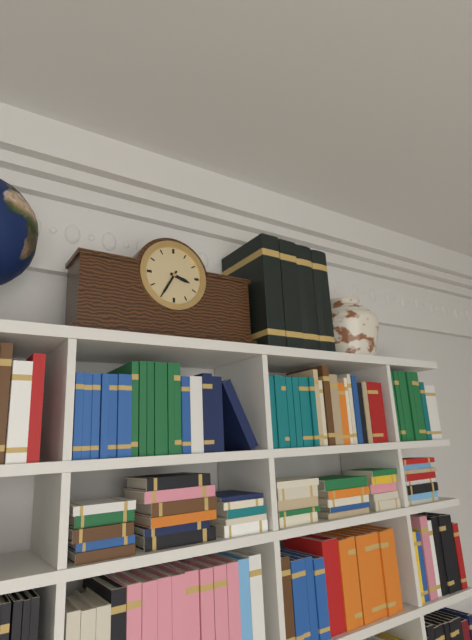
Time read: 3:35
